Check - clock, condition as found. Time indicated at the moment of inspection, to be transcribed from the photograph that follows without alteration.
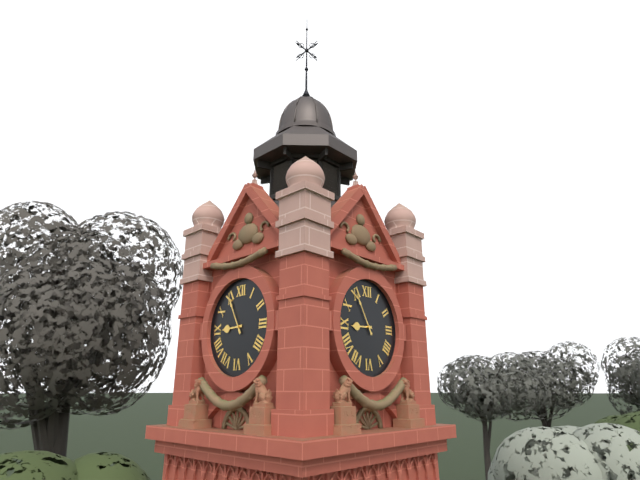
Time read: 8:55
